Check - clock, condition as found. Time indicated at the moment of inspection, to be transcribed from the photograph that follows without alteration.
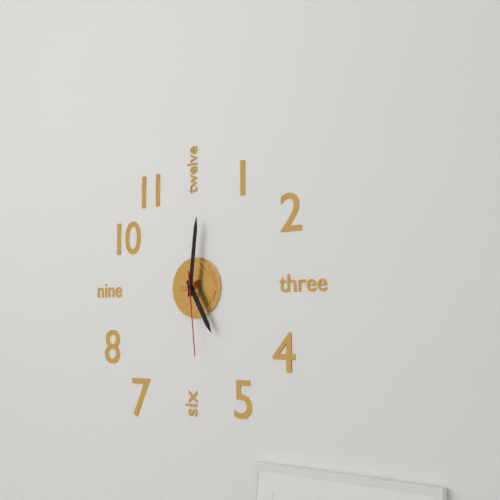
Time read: 5:01:29
